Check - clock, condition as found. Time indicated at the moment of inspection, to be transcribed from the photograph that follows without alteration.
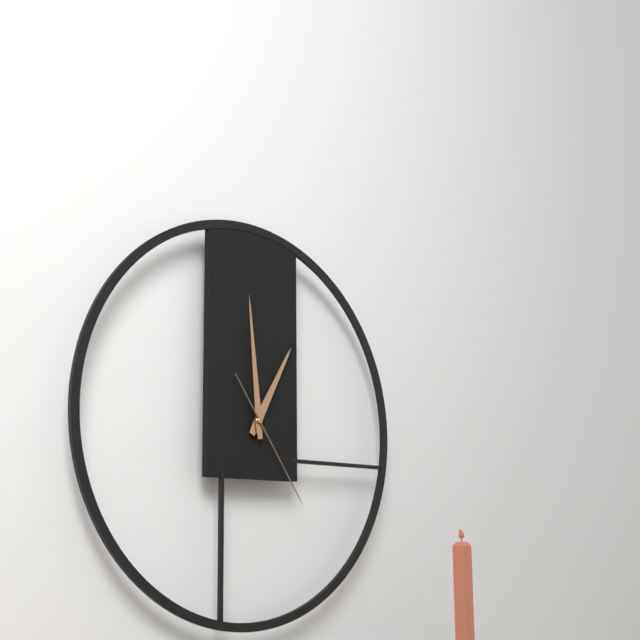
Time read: 12:59:24
